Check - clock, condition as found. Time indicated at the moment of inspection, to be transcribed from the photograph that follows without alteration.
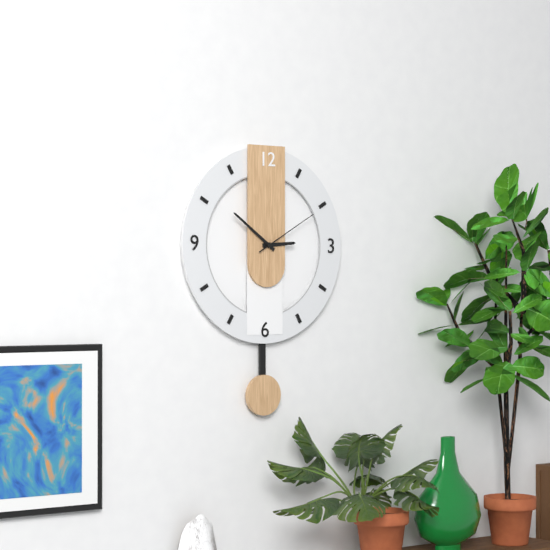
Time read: 2:51:10
